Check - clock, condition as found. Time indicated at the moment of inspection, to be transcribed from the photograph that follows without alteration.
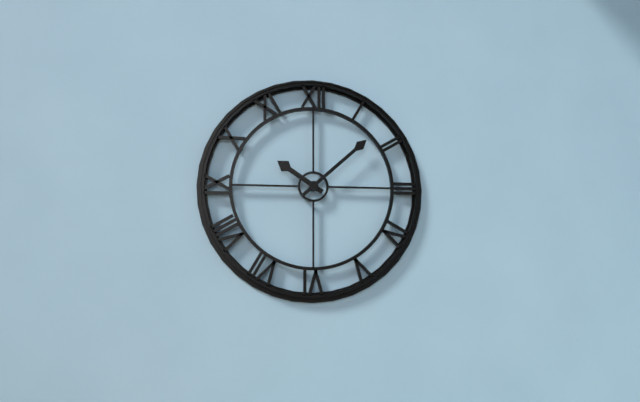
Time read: 10:08
